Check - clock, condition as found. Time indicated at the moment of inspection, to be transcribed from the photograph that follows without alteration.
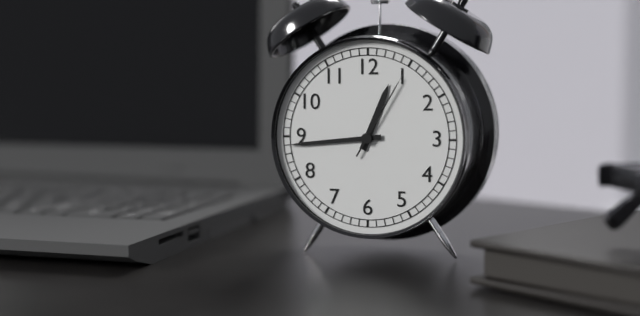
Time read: 12:44:05
